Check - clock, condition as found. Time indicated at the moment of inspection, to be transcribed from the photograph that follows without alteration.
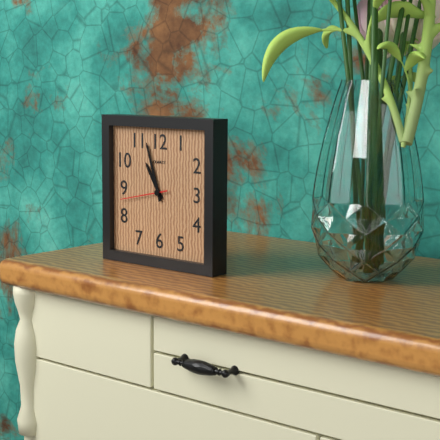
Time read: 10:57
